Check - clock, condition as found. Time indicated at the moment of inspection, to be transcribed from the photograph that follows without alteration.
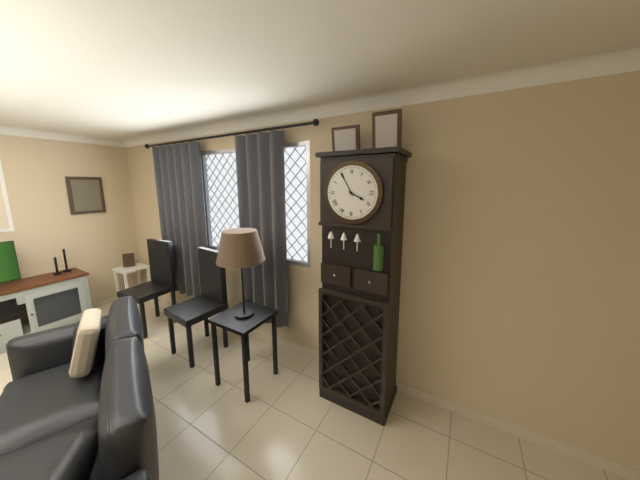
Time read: 3:55
